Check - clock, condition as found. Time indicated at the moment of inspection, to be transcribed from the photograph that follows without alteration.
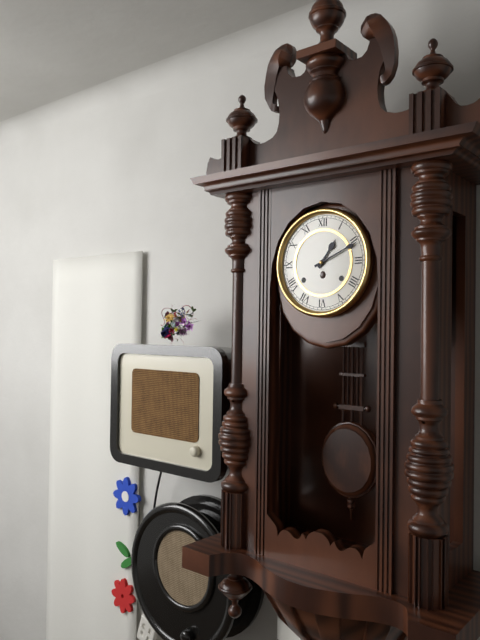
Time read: 1:11
